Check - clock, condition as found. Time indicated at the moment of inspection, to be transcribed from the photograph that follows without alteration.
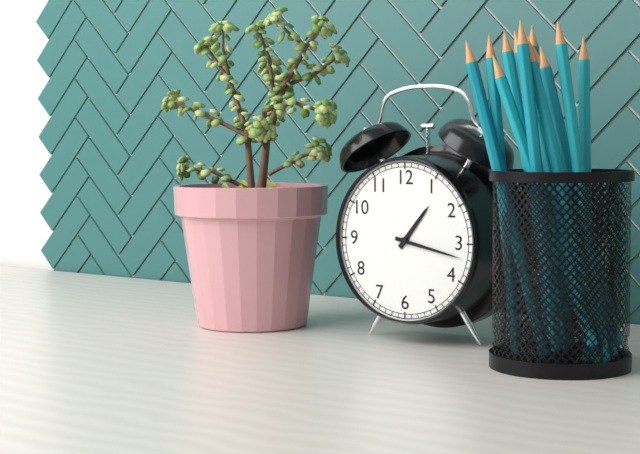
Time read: 1:17
